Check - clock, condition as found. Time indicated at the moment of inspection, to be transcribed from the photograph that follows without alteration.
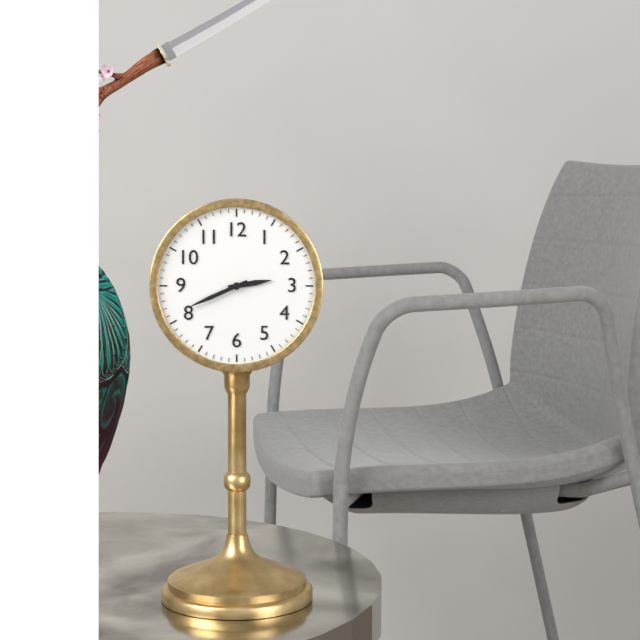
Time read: 2:41
